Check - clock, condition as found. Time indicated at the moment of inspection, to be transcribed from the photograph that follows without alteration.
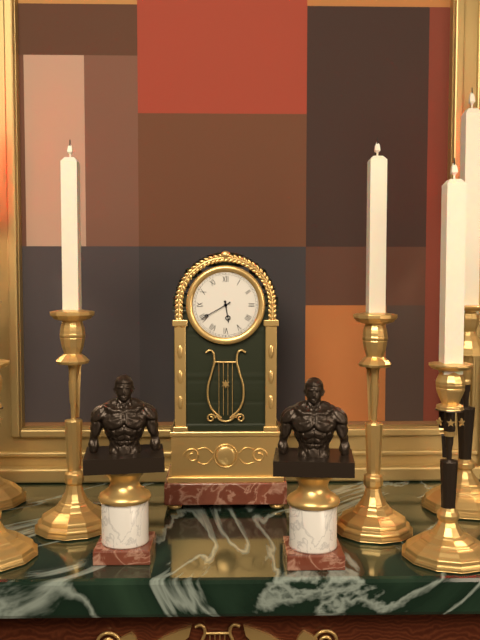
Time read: 5:40
